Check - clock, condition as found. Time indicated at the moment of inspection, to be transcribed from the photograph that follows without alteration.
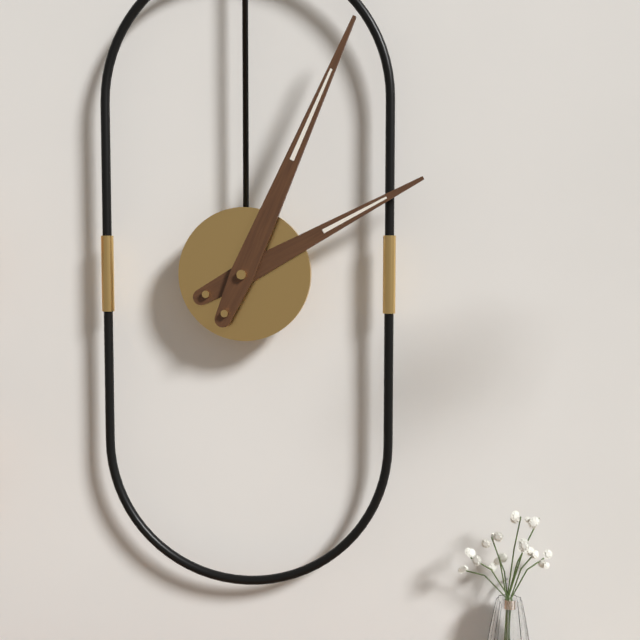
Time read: 2:04
